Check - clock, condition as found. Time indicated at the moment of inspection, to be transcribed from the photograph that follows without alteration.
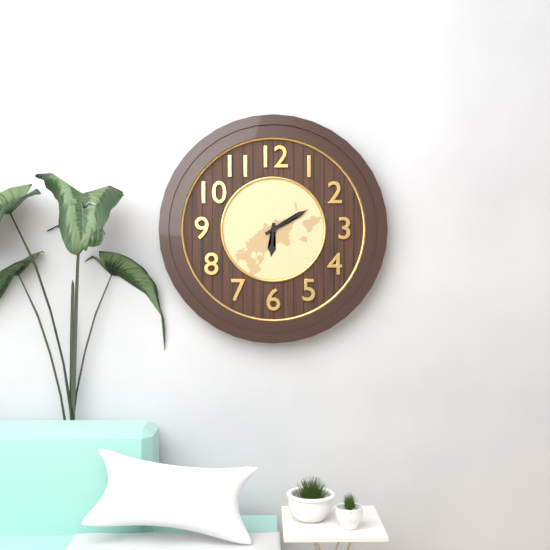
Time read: 6:10
